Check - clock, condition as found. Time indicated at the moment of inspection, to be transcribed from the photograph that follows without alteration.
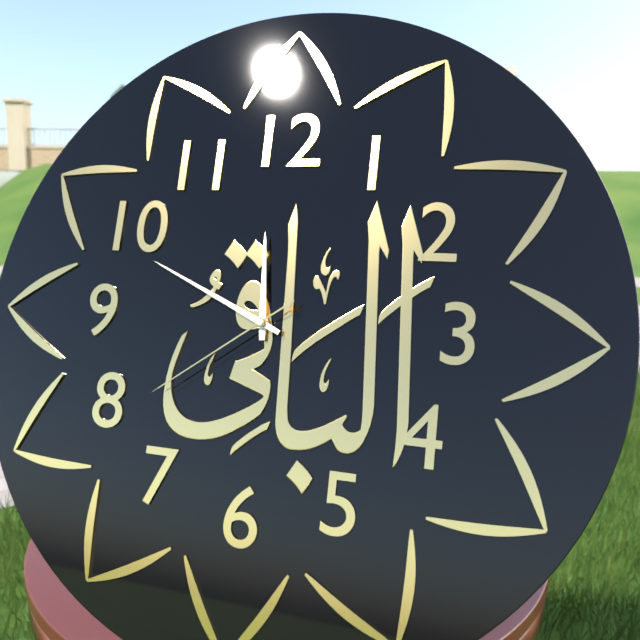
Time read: 11:49:39
